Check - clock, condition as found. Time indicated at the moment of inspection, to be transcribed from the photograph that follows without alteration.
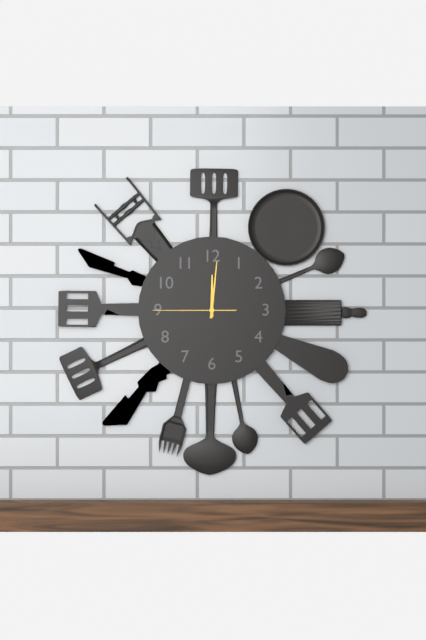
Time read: 12:01:45
